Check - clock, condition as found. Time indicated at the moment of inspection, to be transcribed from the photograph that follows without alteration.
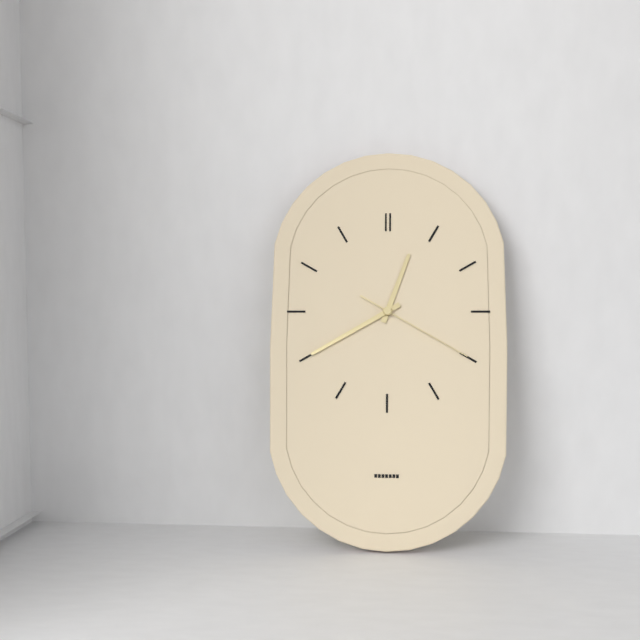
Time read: 12:40:20
